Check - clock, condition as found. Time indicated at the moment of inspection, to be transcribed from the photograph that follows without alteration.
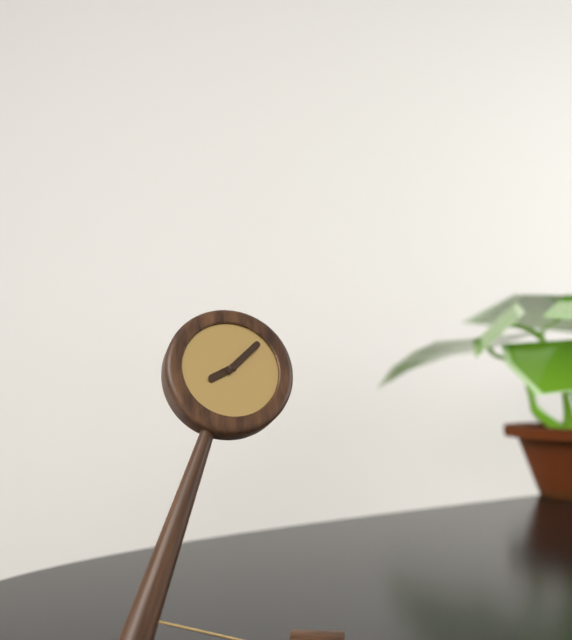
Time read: 8:08
